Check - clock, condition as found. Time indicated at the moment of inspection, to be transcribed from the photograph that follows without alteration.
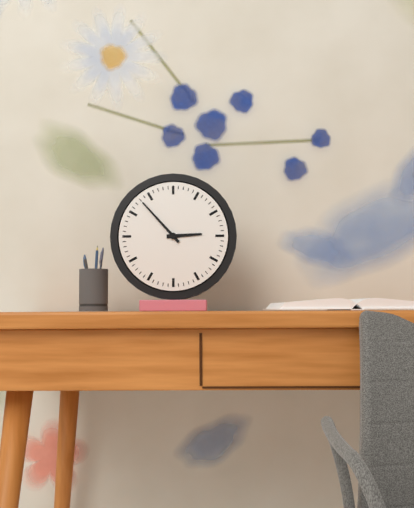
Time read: 2:53
